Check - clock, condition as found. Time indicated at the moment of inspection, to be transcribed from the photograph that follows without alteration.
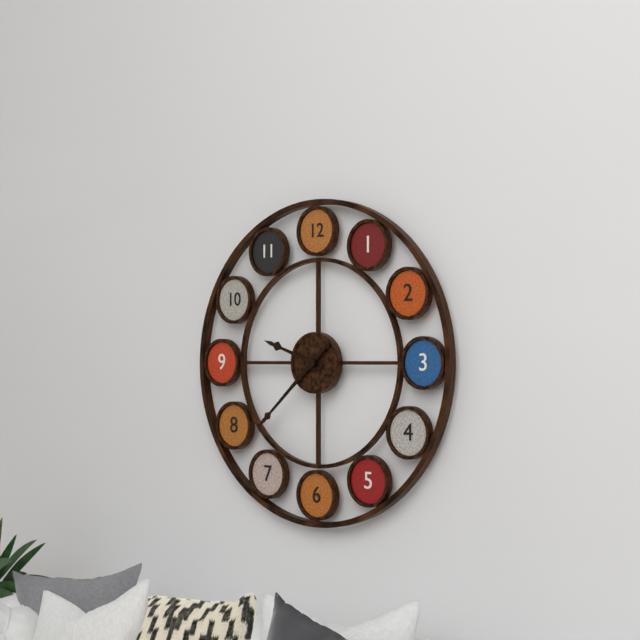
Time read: 9:38
